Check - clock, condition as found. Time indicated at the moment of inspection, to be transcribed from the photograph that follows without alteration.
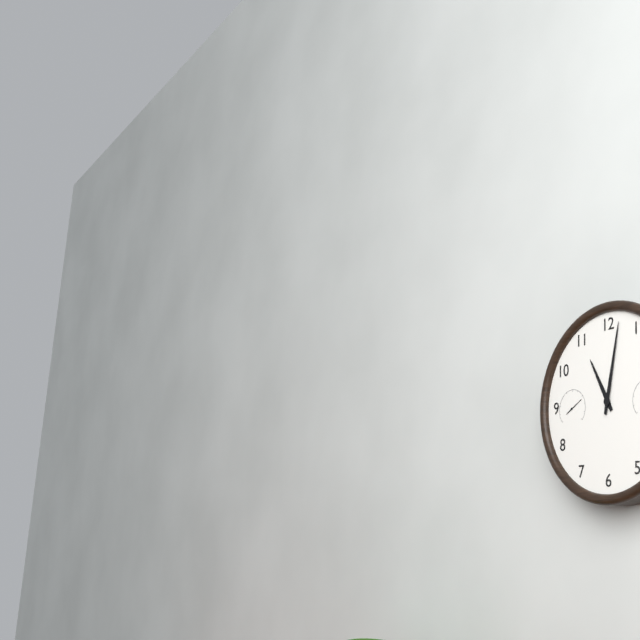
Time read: 11:02
